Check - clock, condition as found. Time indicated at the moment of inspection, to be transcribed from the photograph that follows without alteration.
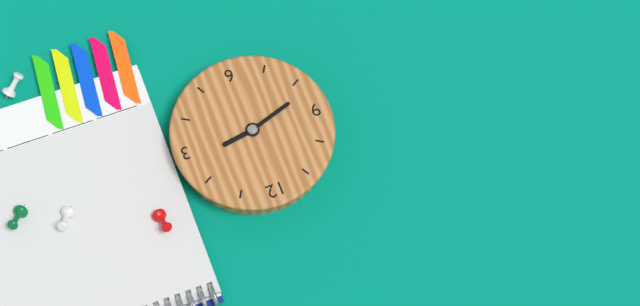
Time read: 2:42
